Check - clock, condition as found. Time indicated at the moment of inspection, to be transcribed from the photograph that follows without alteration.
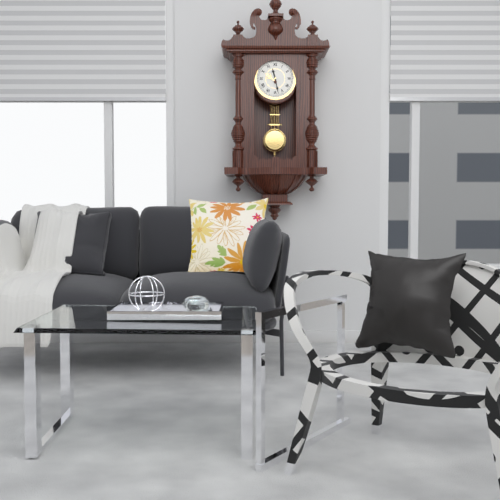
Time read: 11:28
